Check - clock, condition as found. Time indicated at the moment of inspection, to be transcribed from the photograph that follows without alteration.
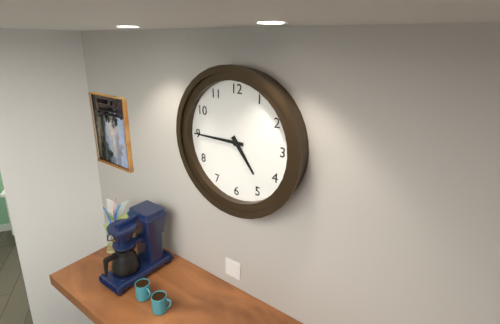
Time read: 4:45
